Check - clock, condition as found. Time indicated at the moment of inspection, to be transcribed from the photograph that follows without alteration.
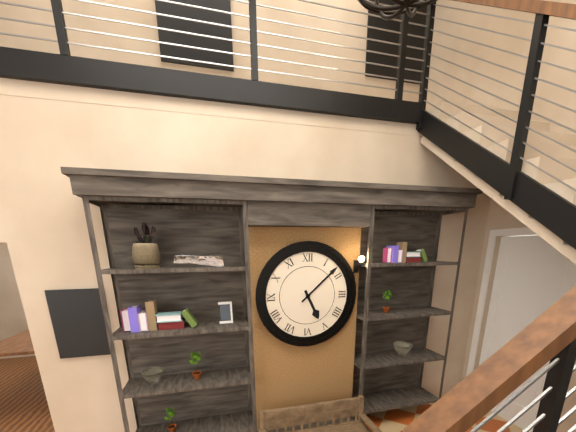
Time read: 5:08
